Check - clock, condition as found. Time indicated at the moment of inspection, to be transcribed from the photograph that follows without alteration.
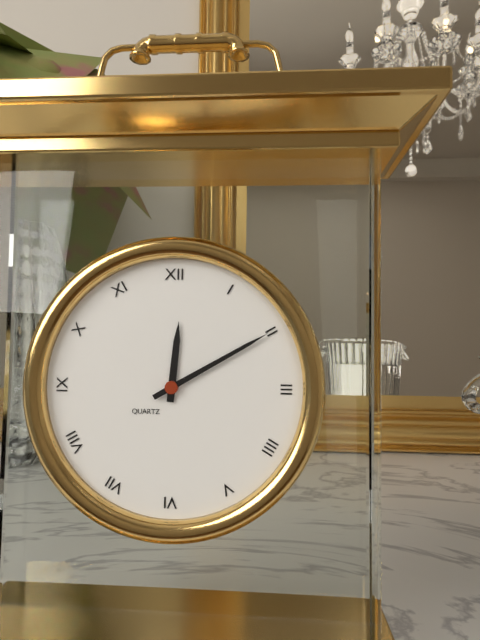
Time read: 12:10
